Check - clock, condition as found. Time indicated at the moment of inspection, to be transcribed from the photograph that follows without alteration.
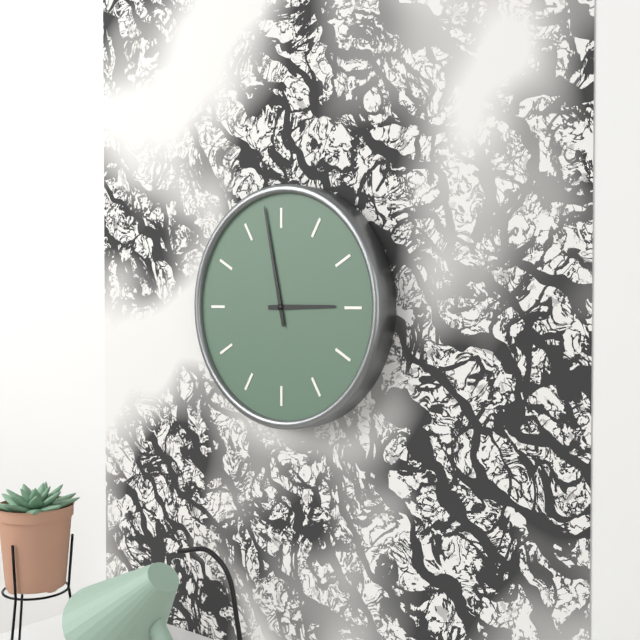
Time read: 2:58
